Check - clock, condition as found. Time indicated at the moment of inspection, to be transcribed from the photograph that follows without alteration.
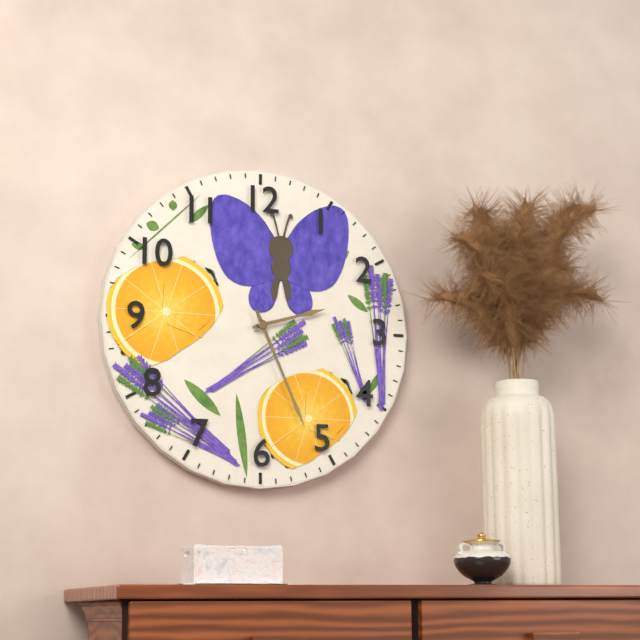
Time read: 2:26
